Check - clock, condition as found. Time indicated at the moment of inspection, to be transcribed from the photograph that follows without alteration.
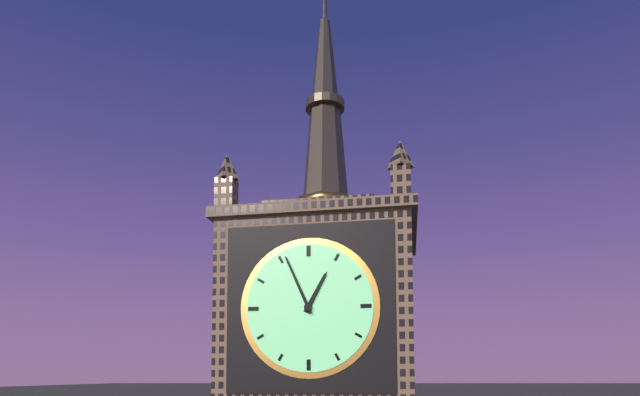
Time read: 12:56
